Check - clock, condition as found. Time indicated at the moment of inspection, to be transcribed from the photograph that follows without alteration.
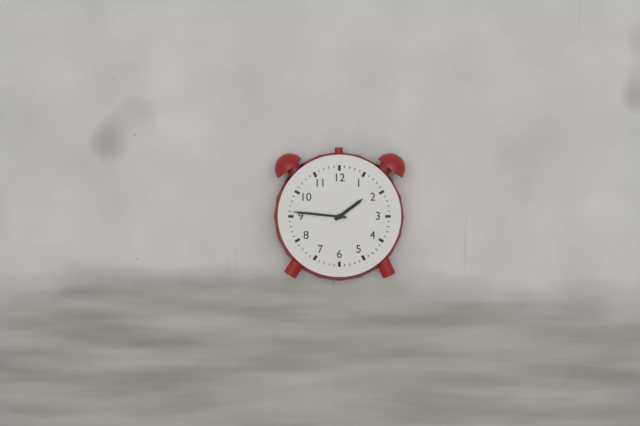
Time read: 1:46
